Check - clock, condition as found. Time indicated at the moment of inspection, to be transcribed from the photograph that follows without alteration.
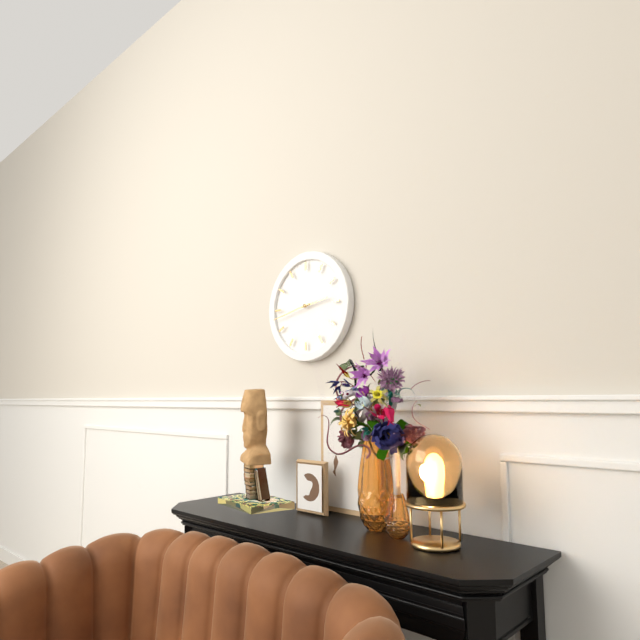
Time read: 2:43
